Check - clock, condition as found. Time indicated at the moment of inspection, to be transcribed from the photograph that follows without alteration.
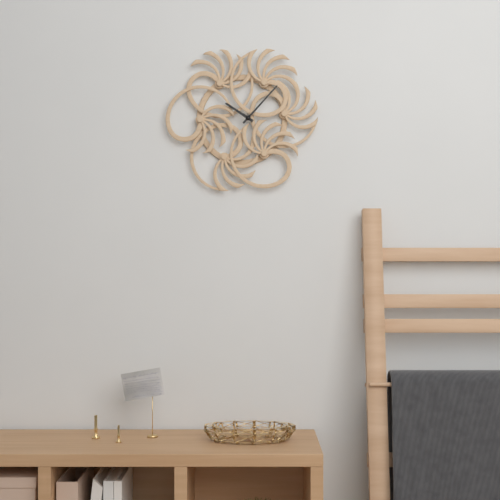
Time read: 10:07
